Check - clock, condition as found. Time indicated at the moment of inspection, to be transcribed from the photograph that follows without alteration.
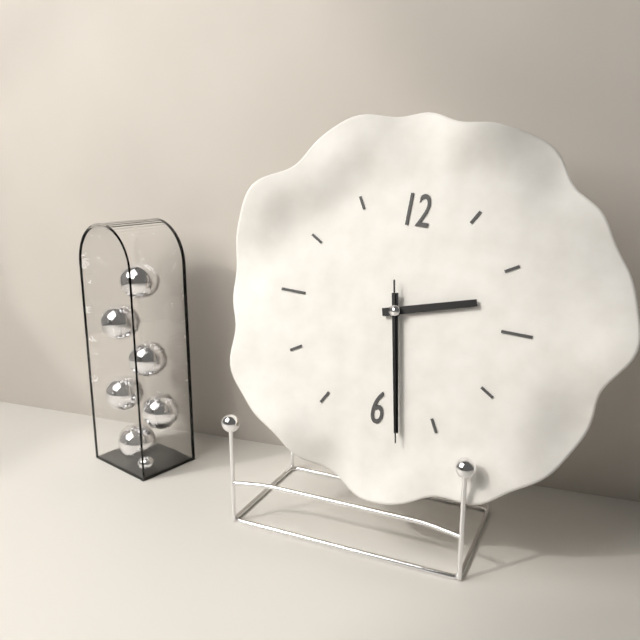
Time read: 2:28:28
